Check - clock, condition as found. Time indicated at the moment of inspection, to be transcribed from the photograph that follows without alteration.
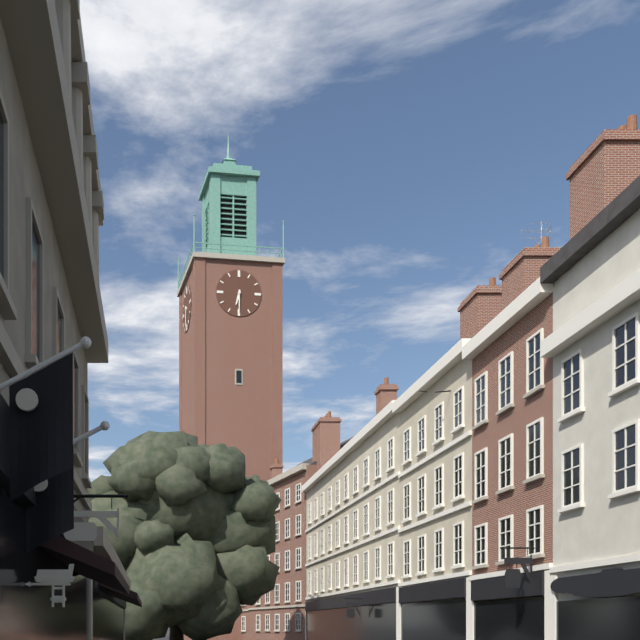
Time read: 6:30
